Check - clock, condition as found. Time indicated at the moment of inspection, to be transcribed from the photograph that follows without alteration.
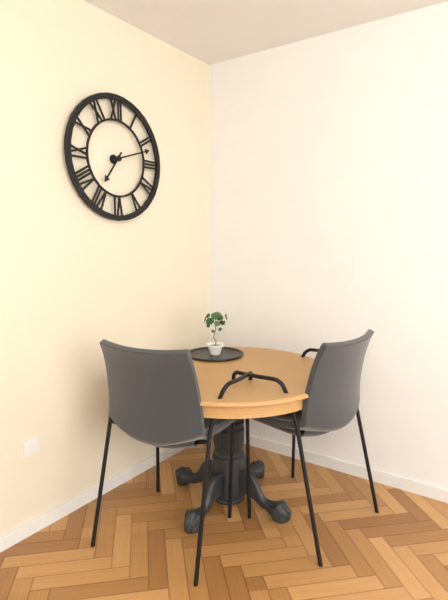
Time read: 7:12
